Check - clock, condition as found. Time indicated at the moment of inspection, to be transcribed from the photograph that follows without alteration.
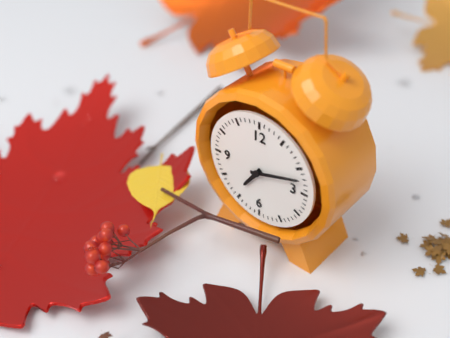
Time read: 7:12
